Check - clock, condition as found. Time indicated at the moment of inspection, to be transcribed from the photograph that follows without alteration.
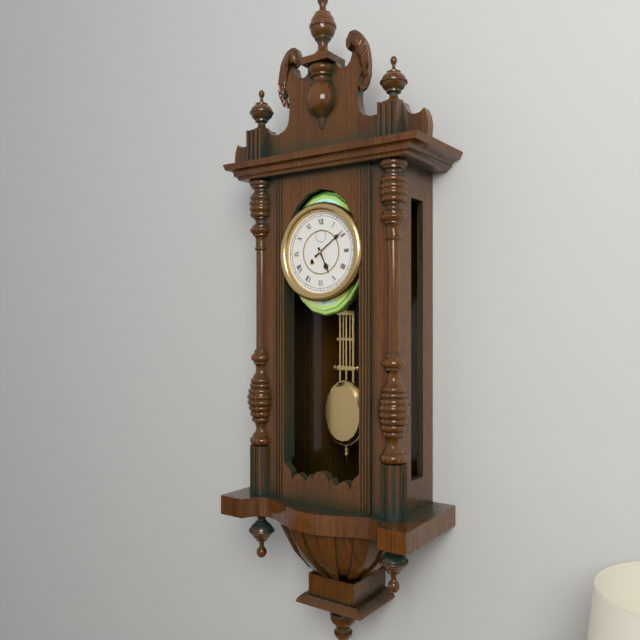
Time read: 5:09
